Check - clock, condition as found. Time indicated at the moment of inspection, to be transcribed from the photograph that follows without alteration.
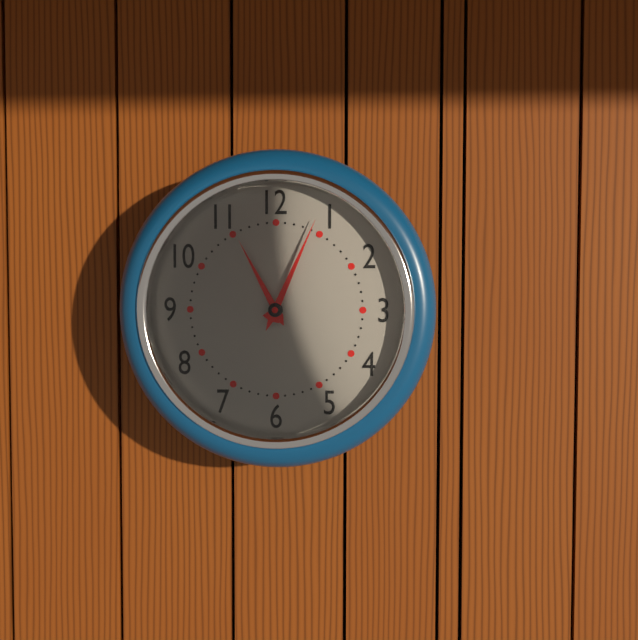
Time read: 11:04
